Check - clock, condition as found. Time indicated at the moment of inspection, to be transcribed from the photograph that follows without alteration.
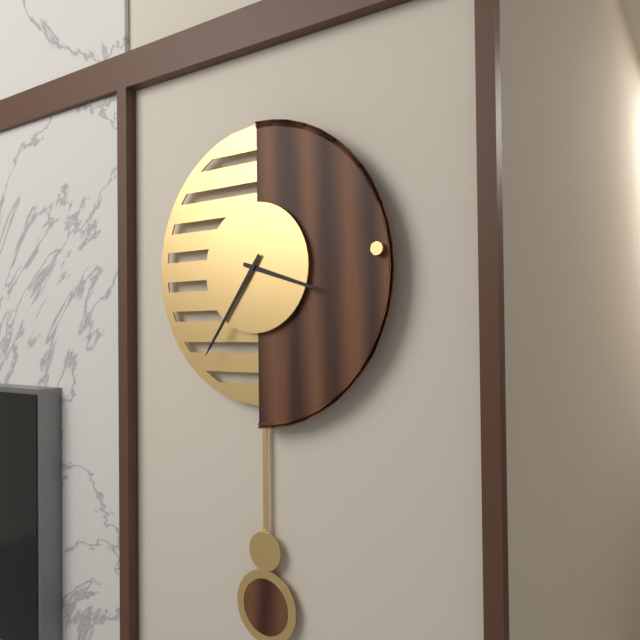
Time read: 3:36
